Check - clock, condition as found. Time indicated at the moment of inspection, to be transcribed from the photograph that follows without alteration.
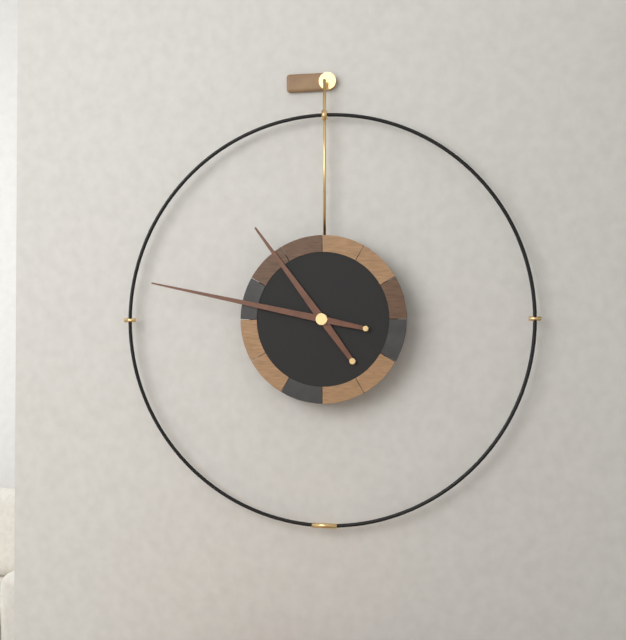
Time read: 10:47
